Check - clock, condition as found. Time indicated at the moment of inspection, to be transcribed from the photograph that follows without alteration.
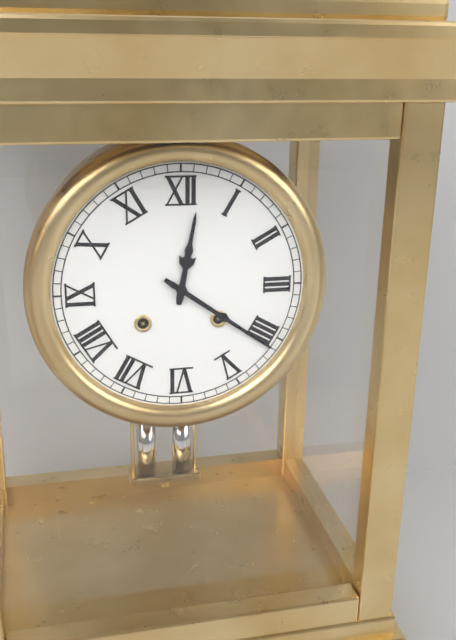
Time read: 12:21
